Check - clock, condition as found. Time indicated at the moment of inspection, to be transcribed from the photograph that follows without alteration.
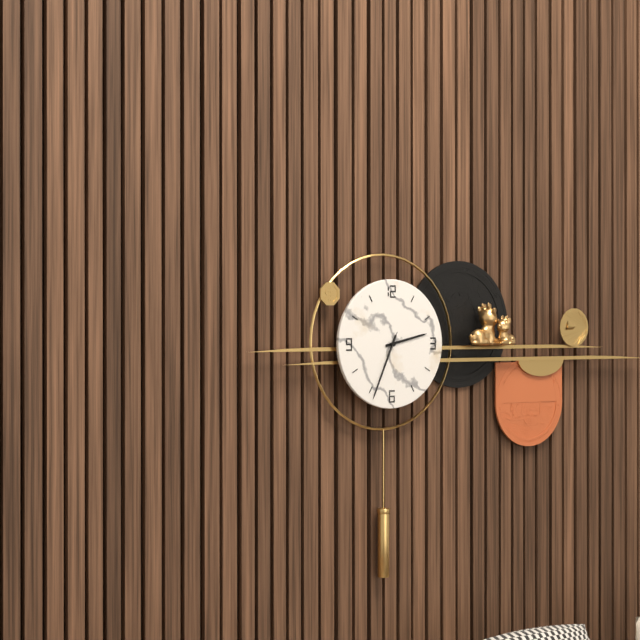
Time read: 2:34:34
